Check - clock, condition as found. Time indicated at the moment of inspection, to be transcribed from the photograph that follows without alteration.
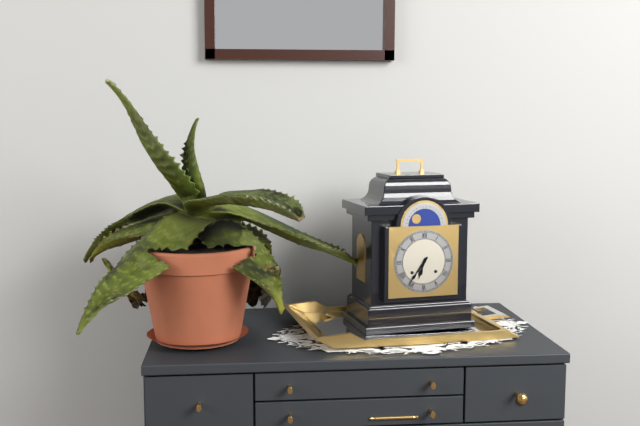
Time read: 6:36
